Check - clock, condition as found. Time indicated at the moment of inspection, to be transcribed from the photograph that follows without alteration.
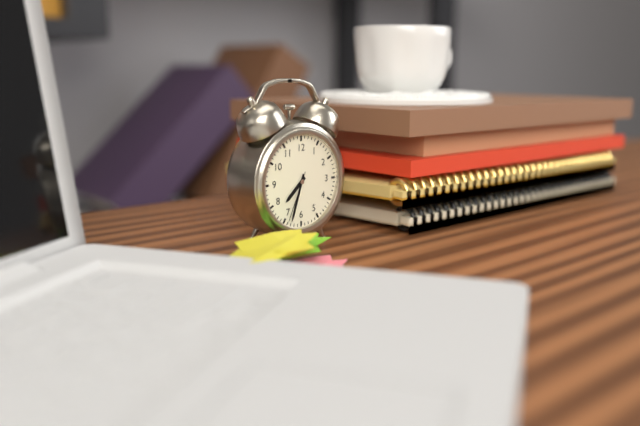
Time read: 7:33:34
